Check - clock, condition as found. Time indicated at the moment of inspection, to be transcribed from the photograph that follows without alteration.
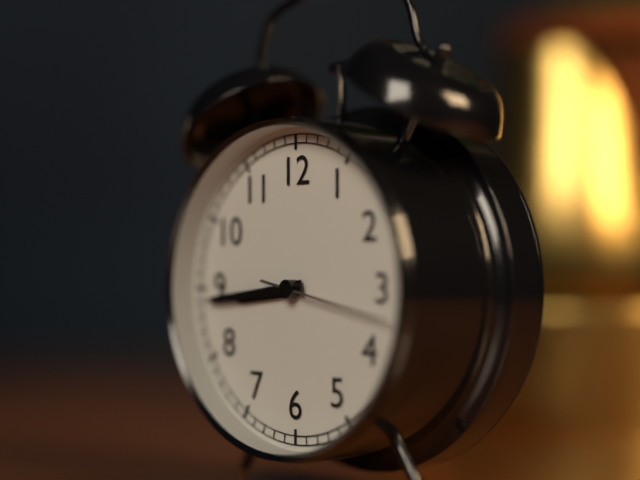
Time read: 8:44:17
